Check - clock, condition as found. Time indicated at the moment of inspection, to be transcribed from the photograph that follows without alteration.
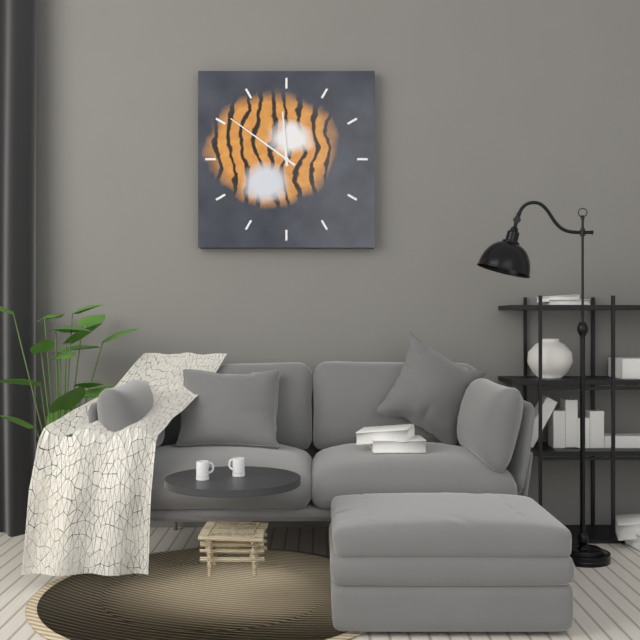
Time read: 11:51
